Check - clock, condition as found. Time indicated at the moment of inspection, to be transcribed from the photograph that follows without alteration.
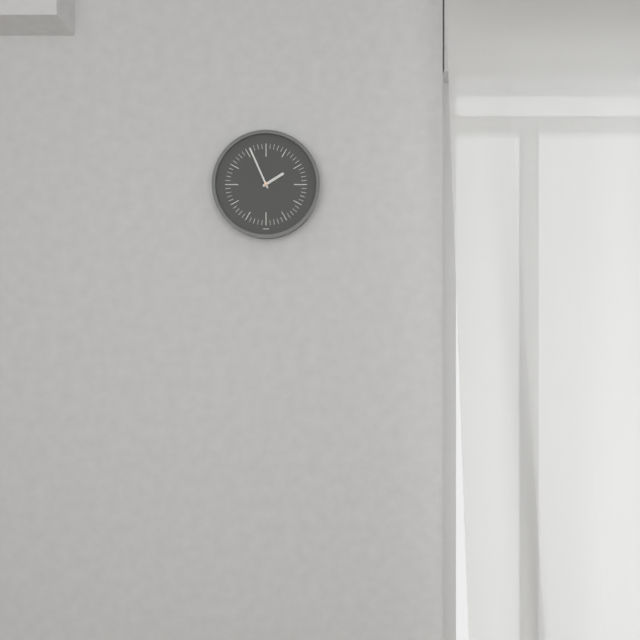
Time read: 1:56
